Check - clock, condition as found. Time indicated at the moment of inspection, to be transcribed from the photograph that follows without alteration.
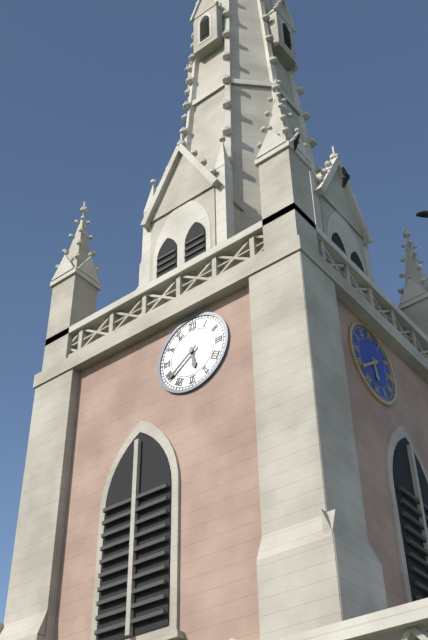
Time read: 5:39
